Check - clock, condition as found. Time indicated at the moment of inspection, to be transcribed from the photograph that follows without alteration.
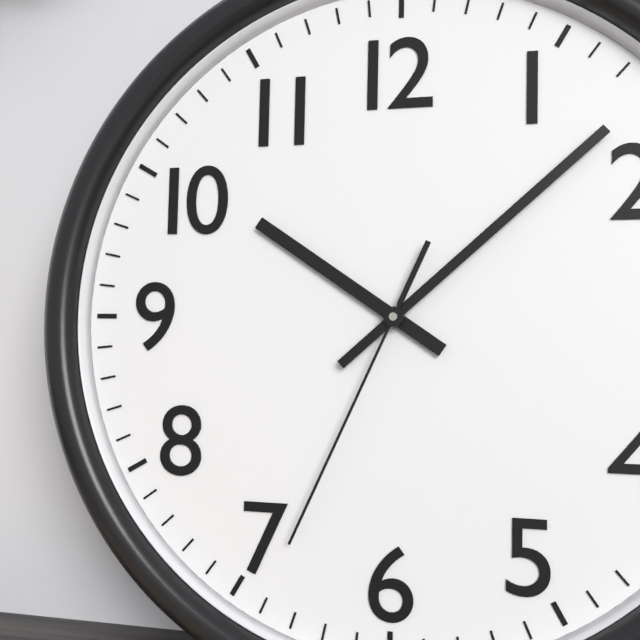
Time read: 10:08:34
